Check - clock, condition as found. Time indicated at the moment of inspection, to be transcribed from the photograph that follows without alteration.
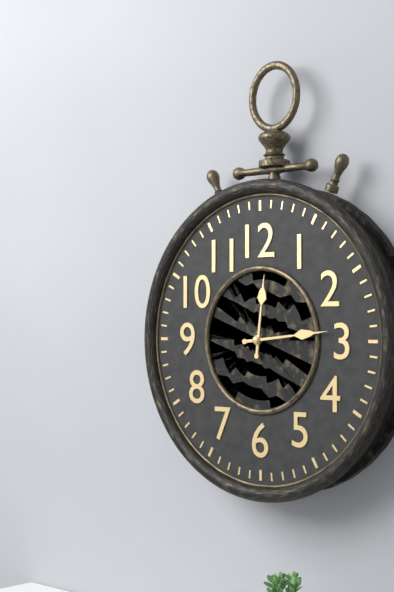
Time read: 12:14
